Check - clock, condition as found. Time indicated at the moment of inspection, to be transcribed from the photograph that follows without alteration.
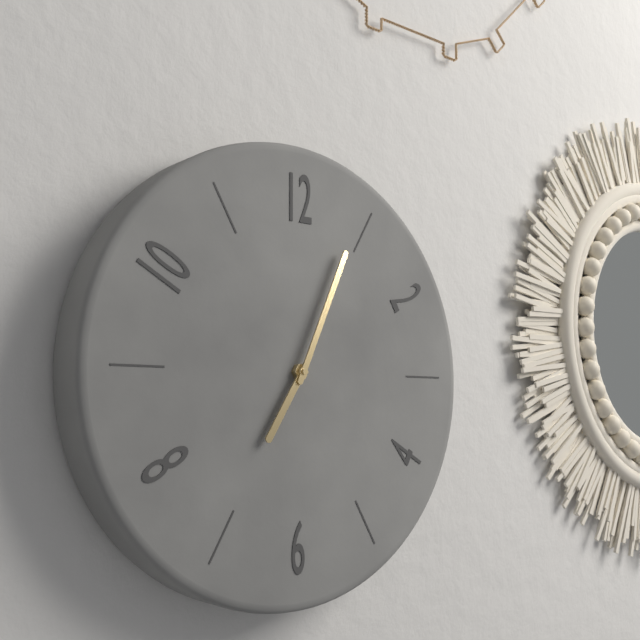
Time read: 7:04
